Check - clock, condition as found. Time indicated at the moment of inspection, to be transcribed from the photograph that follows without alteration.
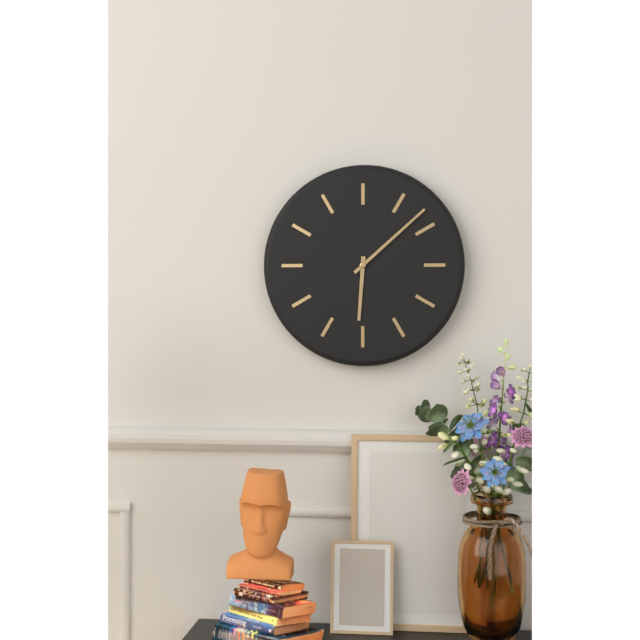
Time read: 6:08
